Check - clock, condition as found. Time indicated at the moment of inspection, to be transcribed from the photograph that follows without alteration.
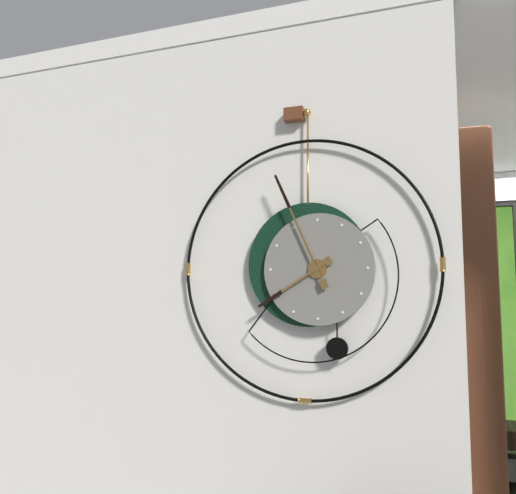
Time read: 7:56
